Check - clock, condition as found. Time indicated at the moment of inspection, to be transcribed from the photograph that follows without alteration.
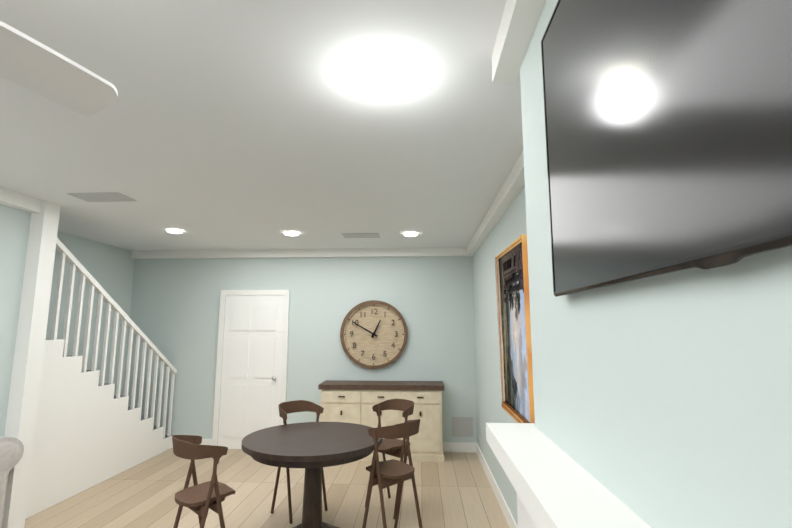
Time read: 12:50
